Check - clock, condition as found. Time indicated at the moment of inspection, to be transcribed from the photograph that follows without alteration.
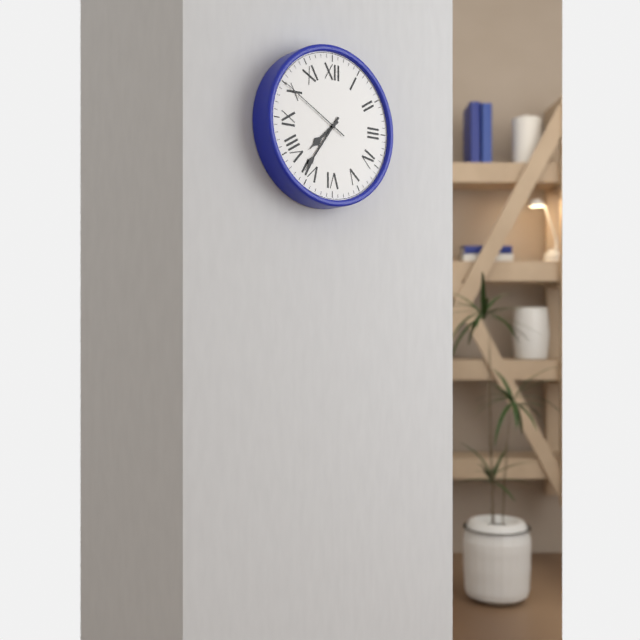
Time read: 7:36:50
